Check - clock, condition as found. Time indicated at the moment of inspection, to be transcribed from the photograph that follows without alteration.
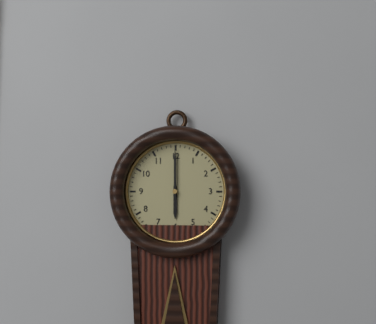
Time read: 6:00
